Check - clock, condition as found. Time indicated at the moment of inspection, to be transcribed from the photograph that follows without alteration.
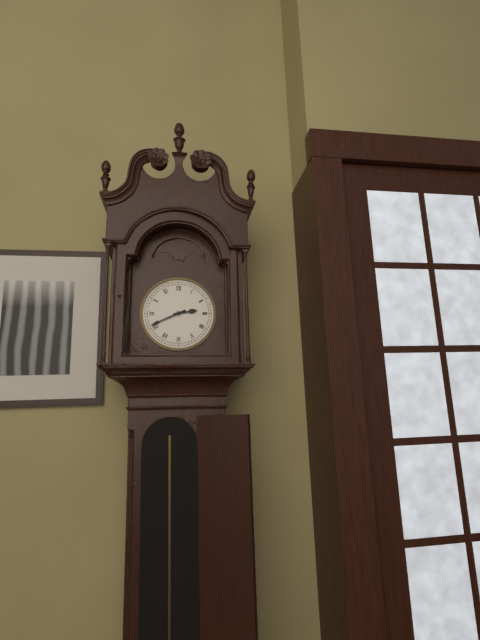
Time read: 2:41
